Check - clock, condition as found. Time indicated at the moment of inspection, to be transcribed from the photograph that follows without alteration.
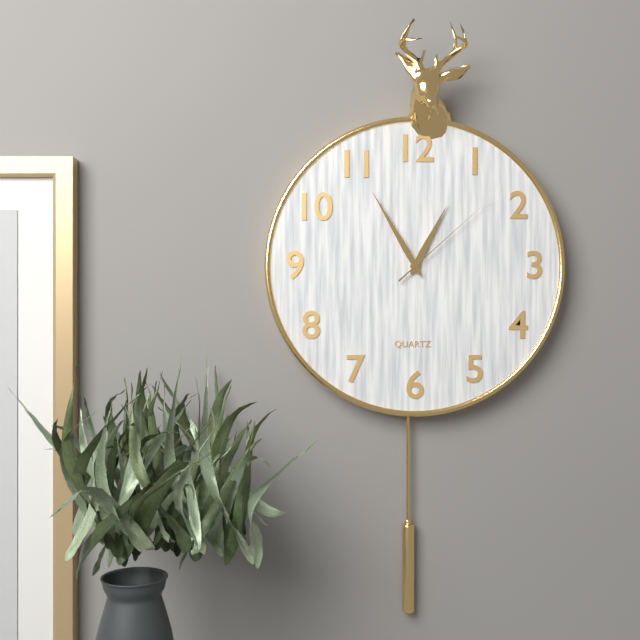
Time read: 12:55:08
